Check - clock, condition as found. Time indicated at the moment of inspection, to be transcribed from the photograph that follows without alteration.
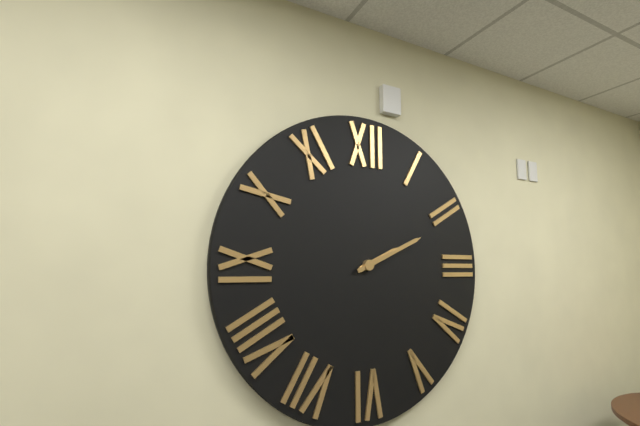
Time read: 2:11
